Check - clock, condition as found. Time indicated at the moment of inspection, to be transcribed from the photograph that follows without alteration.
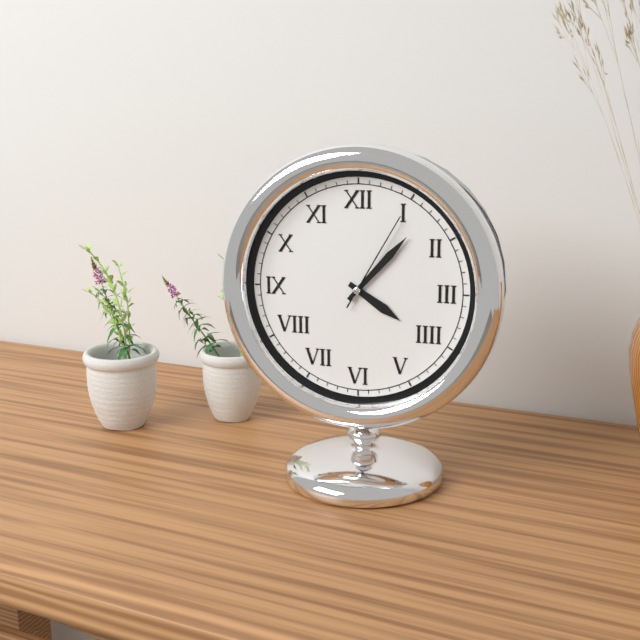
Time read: 4:07:05
